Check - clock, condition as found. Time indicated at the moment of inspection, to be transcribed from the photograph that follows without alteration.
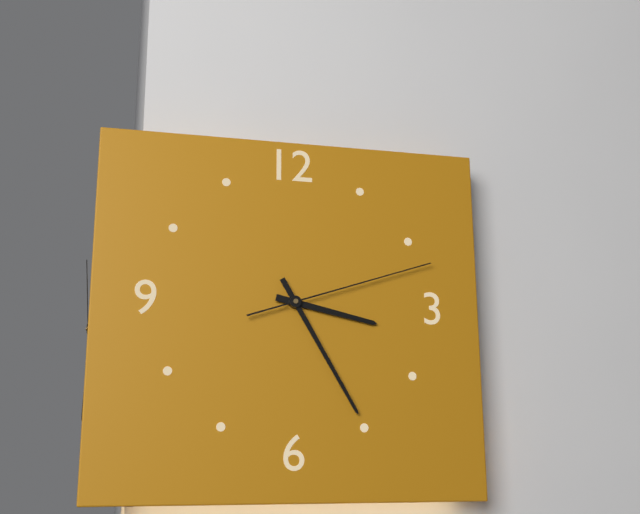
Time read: 3:25:12
